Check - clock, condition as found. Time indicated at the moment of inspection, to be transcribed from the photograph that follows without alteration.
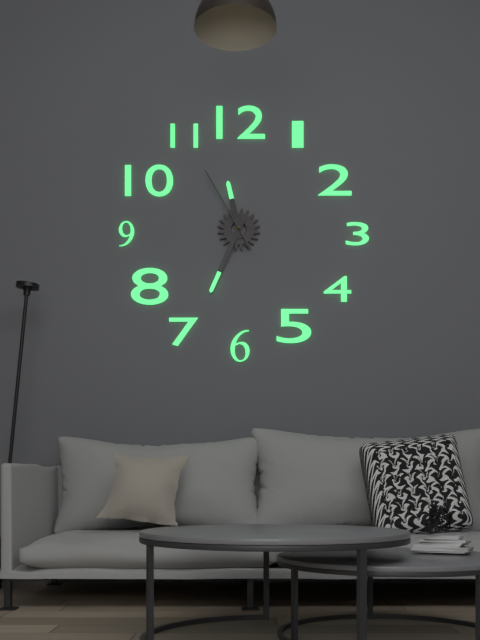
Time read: 11:34:55
